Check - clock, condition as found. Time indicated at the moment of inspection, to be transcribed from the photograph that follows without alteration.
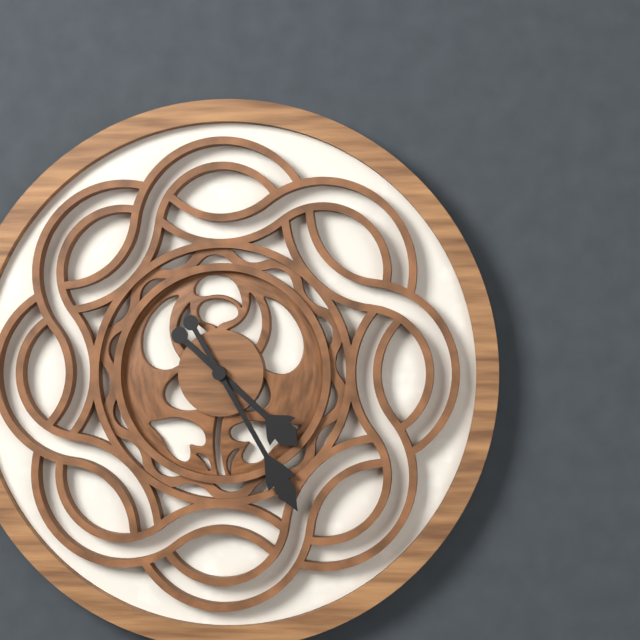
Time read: 4:25
